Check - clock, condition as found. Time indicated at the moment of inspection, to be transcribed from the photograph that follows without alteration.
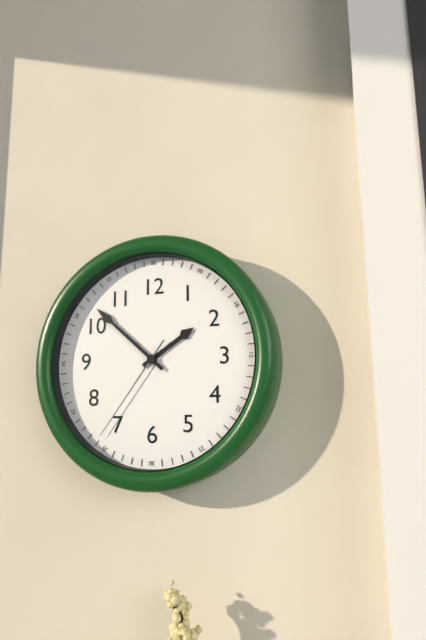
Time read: 1:52:36
